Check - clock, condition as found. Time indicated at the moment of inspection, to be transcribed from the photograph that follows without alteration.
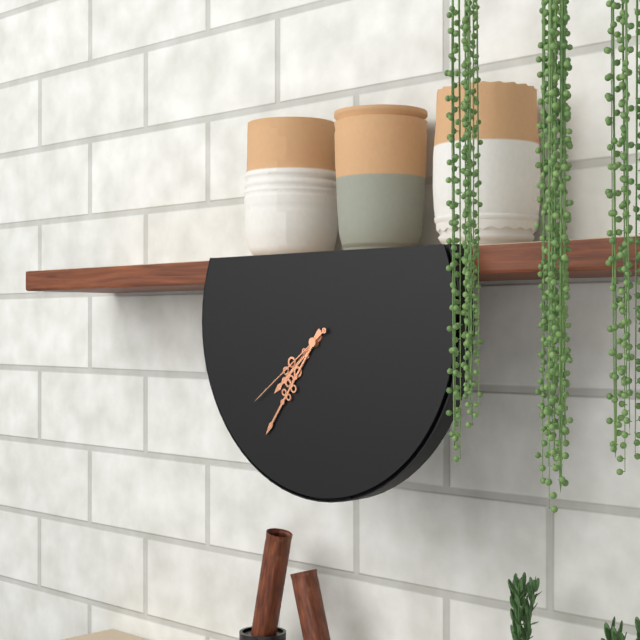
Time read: 7:36:39
